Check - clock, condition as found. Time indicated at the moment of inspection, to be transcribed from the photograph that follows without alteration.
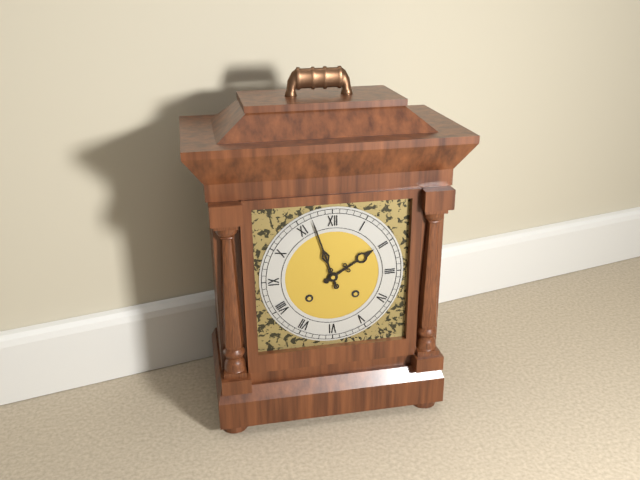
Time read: 1:57
